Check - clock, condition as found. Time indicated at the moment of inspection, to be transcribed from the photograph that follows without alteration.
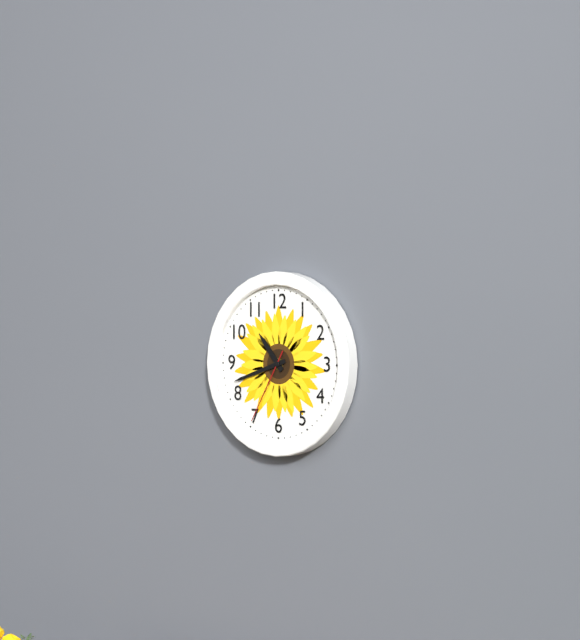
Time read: 10:42:35
